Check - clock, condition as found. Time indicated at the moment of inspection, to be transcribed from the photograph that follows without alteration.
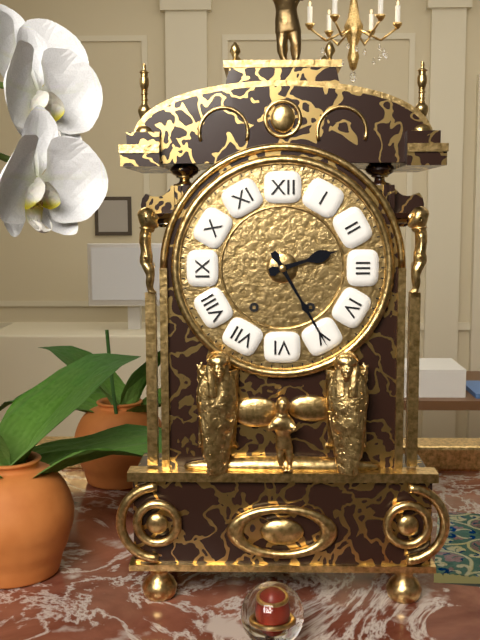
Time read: 2:25
